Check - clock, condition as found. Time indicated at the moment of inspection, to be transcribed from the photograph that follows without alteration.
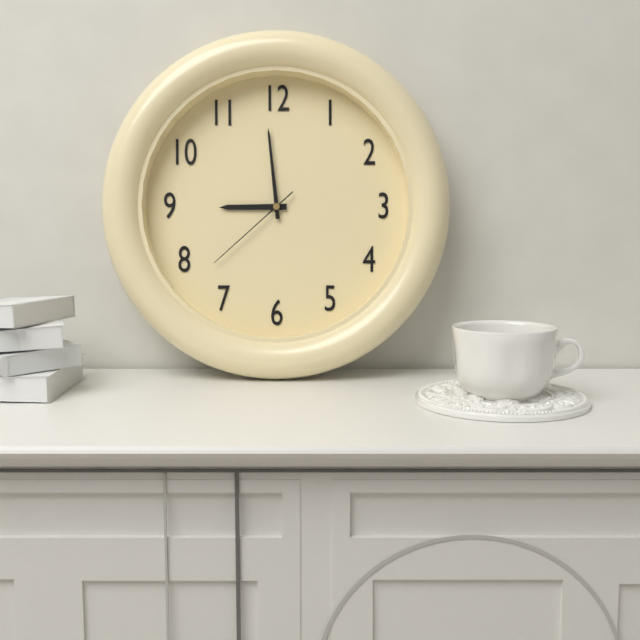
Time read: 8:59:38
